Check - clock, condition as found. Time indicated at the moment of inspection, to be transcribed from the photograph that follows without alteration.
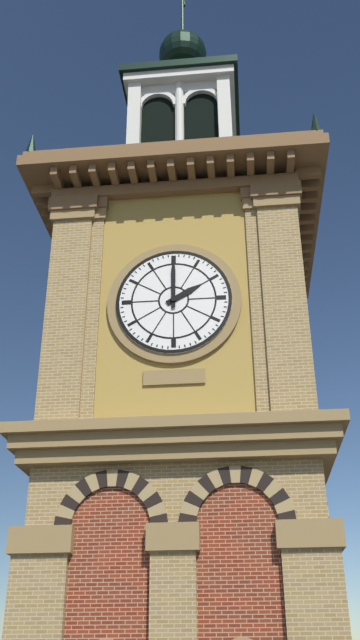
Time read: 2:00
